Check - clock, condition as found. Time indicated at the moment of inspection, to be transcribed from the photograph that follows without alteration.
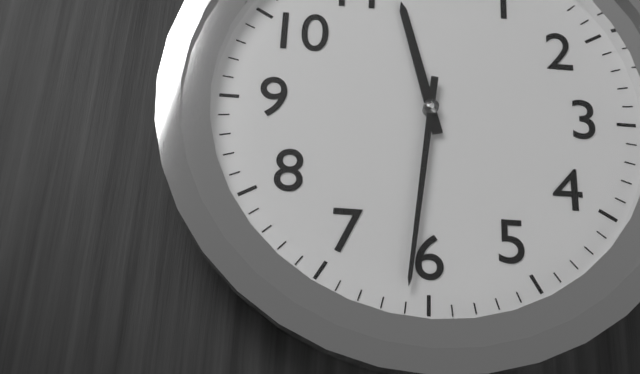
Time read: 11:31
